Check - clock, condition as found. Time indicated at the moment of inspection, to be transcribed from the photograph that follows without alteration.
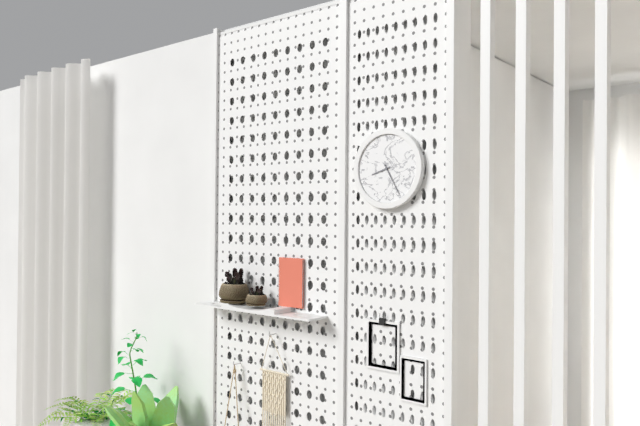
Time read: 8:25
